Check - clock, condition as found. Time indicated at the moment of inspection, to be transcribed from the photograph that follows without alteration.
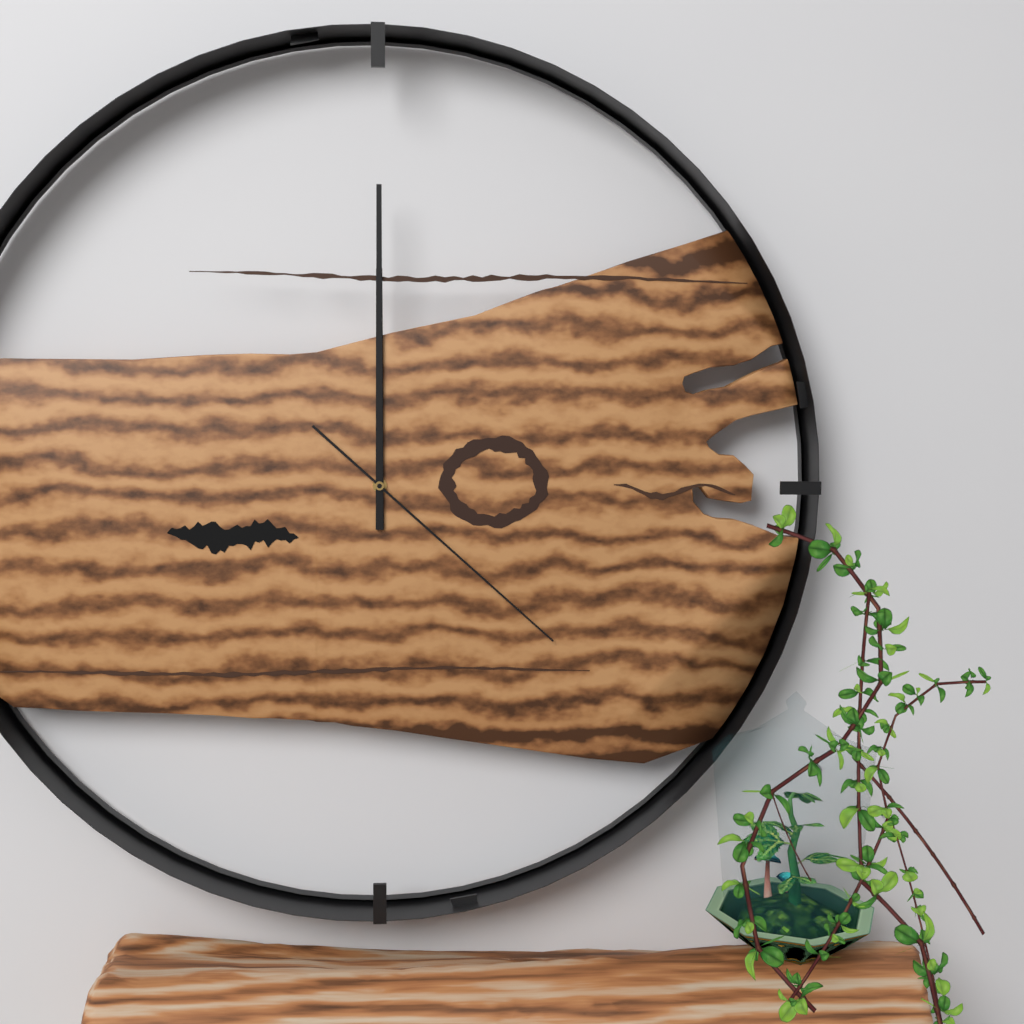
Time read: 12:00:22
